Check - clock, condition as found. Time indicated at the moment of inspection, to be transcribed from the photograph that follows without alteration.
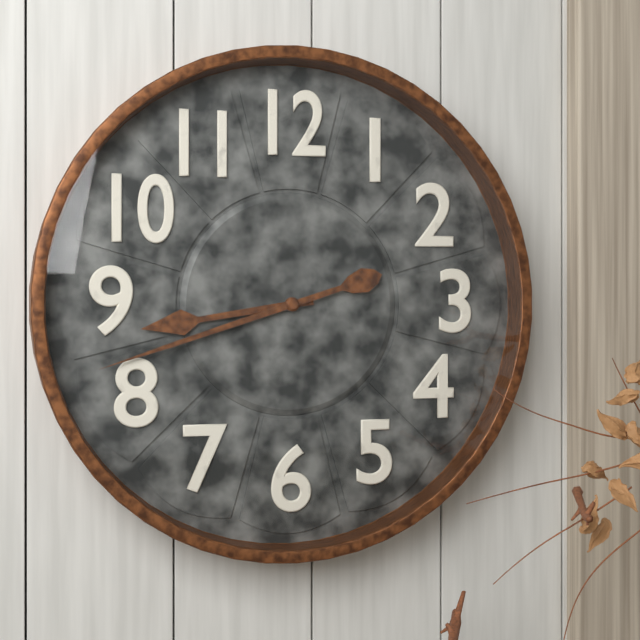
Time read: 8:42
